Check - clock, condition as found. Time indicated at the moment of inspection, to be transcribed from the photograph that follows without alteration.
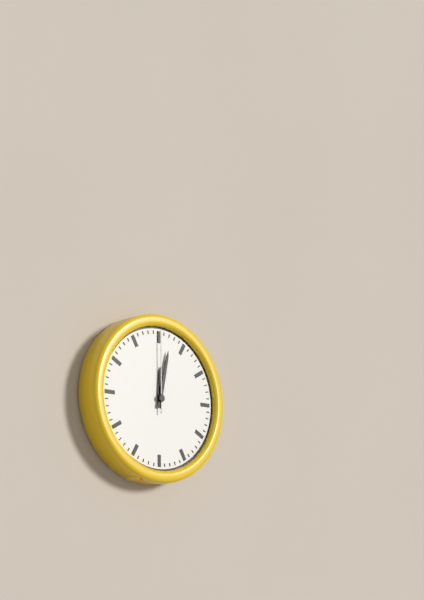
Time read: 12:02:00
